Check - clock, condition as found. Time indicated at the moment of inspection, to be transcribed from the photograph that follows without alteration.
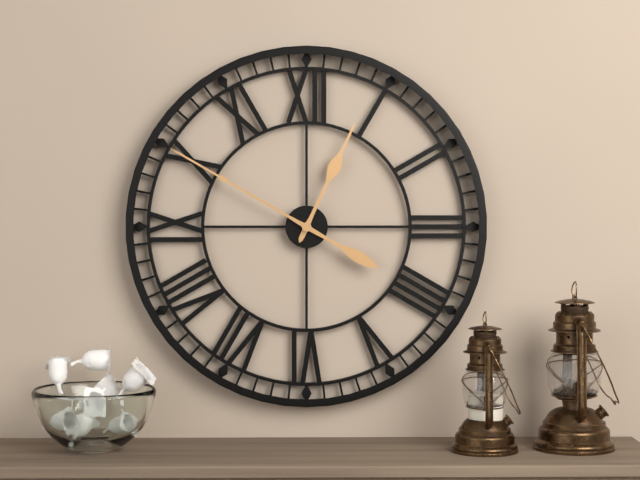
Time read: 12:50
